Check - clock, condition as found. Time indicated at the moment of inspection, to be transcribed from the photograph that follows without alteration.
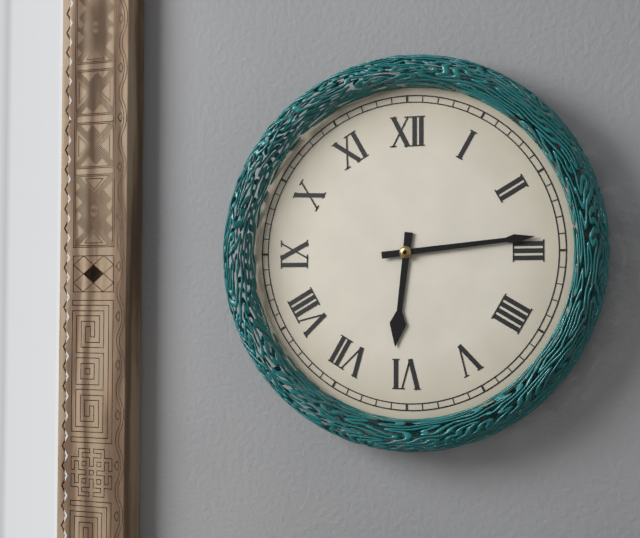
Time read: 6:14
